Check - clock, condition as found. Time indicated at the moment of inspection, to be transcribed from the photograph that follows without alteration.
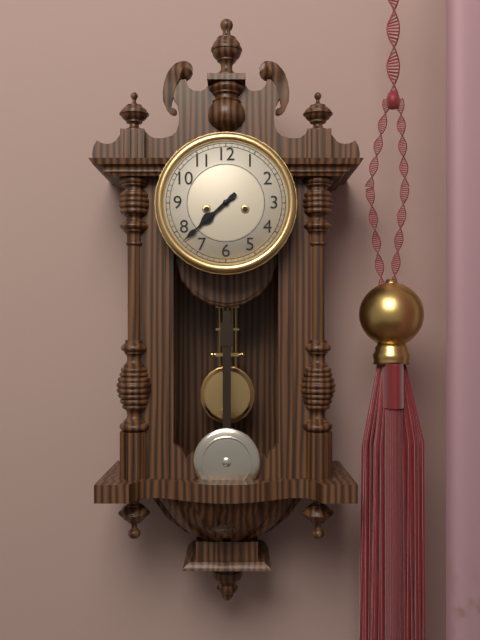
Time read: 7:38
